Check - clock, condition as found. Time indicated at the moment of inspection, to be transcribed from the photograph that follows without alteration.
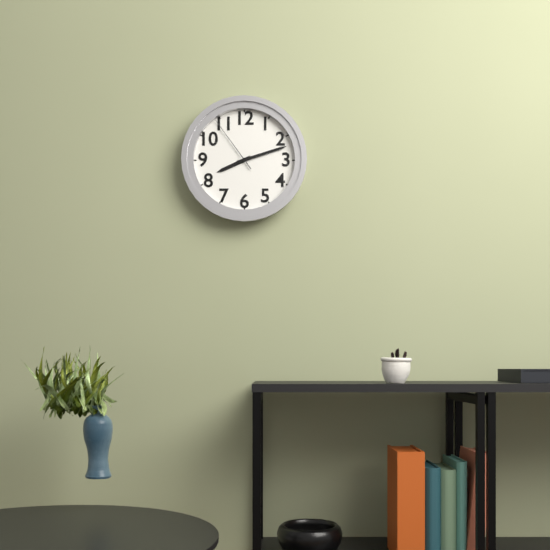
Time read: 8:12:54
